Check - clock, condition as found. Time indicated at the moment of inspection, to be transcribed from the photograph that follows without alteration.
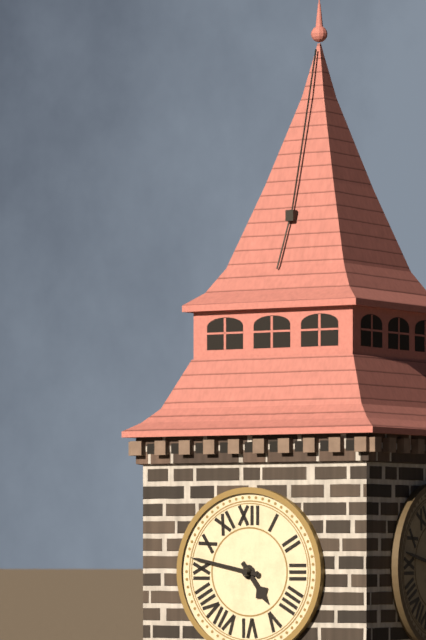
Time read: 4:47
